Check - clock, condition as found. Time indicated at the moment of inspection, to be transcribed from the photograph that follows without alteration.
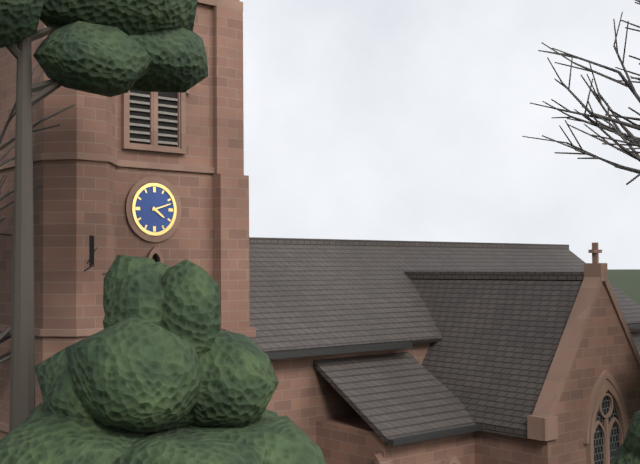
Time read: 4:12
